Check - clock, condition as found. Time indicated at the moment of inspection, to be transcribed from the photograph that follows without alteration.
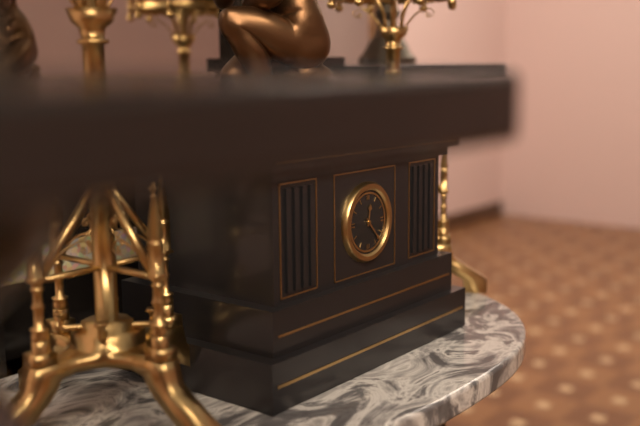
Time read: 12:23
